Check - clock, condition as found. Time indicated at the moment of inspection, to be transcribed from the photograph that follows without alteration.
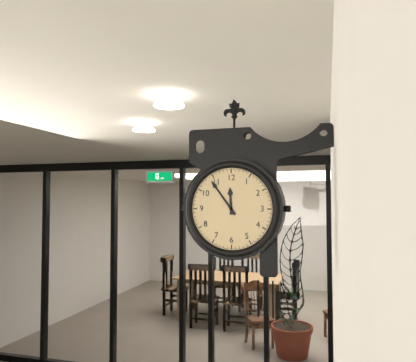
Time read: 11:54
